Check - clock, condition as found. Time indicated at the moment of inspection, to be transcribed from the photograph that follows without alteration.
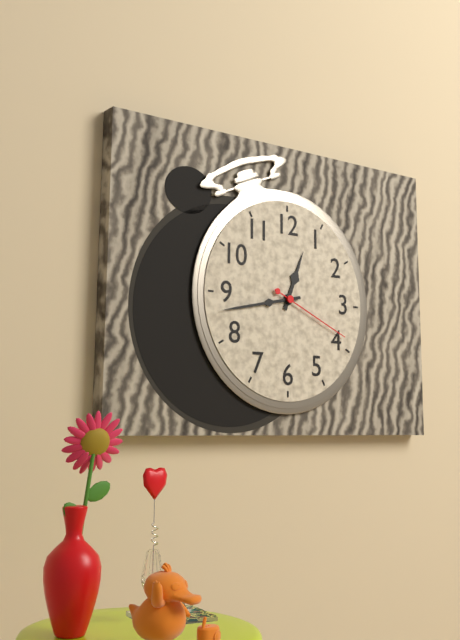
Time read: 12:43:19
